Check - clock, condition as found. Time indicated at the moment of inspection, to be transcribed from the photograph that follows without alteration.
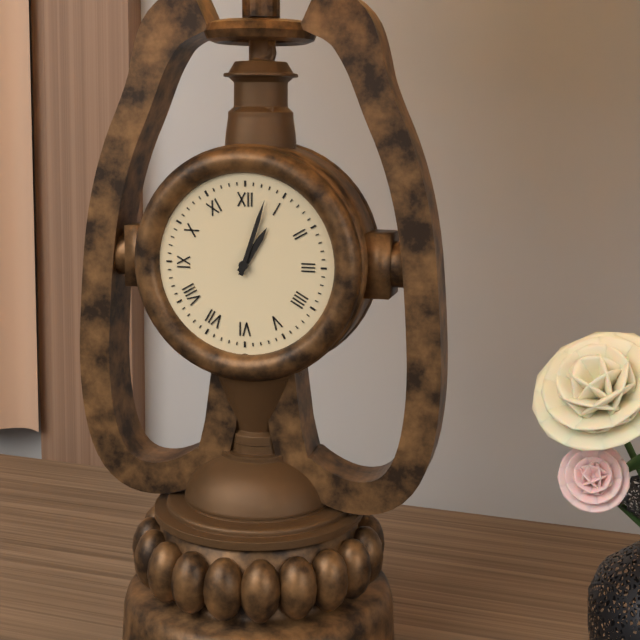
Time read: 1:03
